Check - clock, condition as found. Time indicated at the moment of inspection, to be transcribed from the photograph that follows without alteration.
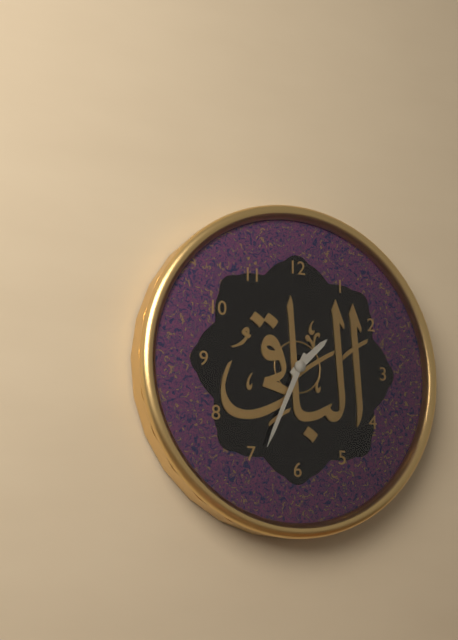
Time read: 1:34
